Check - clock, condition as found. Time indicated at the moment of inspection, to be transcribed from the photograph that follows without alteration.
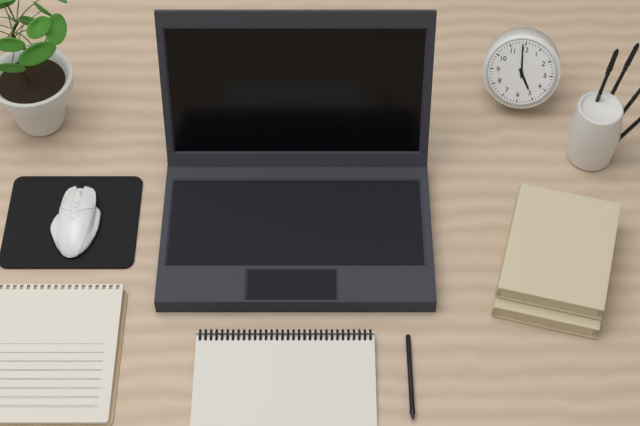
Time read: 4:59
